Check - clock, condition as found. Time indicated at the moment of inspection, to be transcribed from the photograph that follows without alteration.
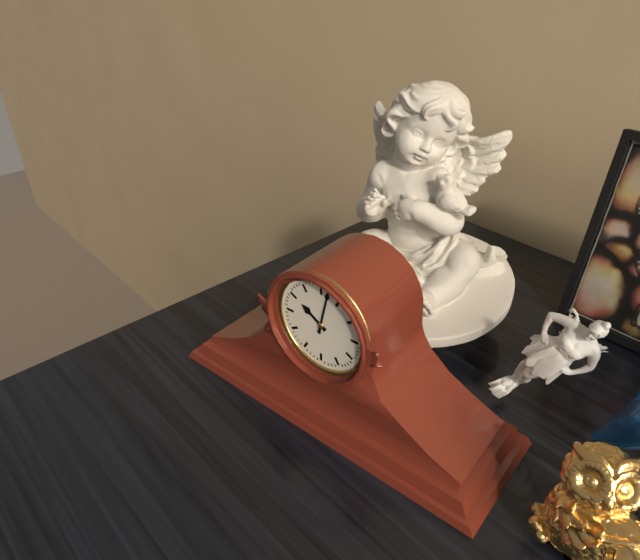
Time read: 10:02
